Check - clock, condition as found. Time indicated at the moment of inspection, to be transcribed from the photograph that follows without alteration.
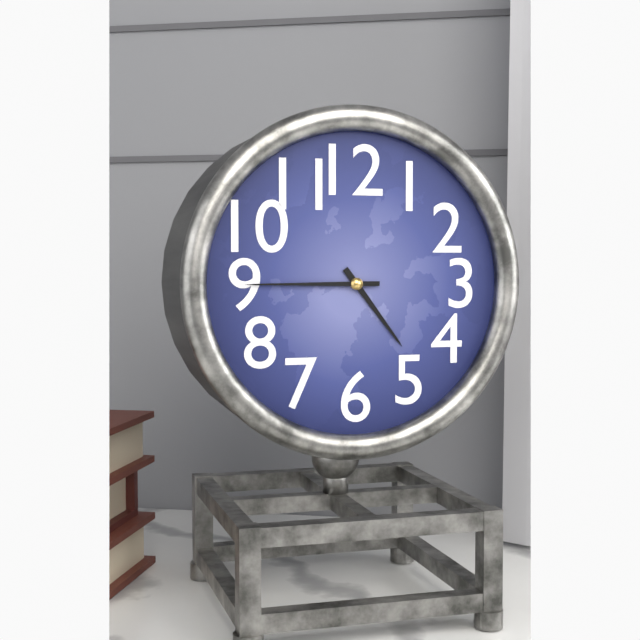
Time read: 4:45
